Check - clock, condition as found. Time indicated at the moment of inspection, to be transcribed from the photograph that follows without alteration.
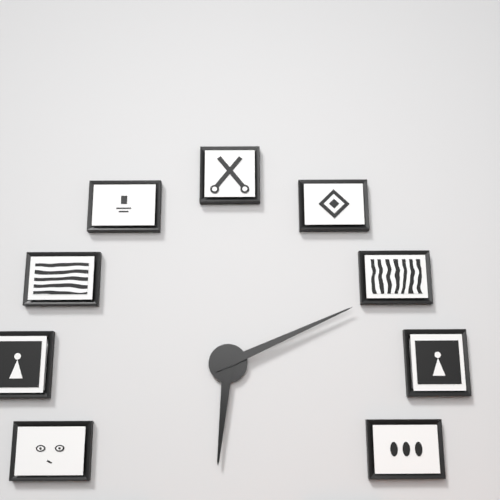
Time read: 6:11
